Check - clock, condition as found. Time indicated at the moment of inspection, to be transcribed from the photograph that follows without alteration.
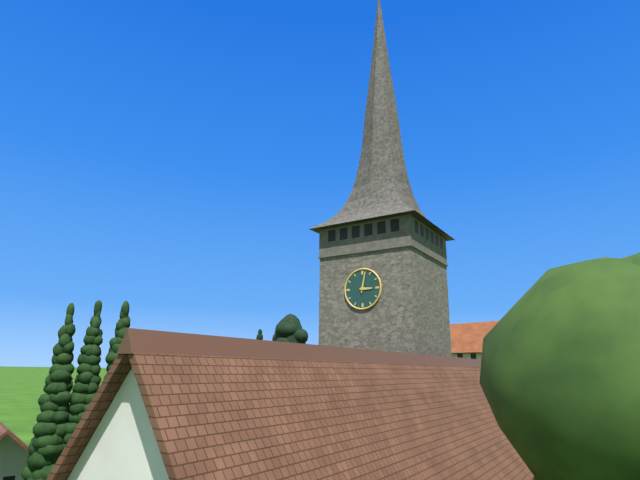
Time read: 3:02
